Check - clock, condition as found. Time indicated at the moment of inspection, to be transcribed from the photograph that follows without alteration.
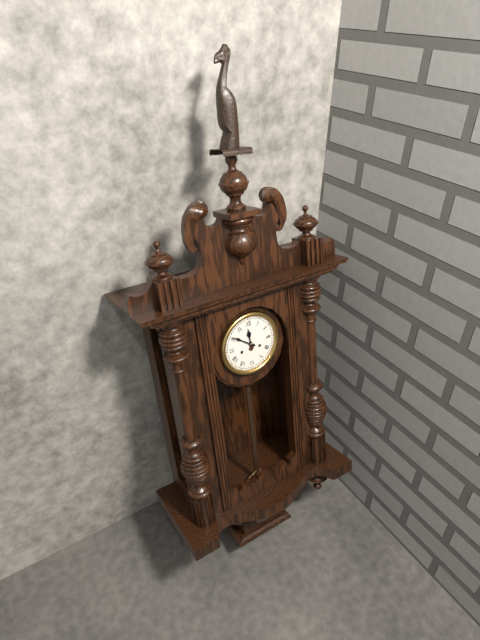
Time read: 11:51
